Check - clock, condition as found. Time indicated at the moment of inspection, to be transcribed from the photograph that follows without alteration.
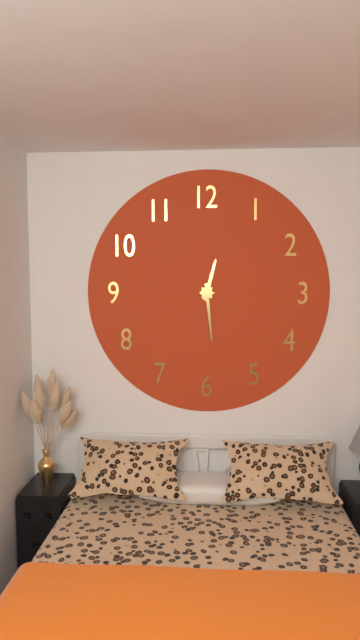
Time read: 12:29
